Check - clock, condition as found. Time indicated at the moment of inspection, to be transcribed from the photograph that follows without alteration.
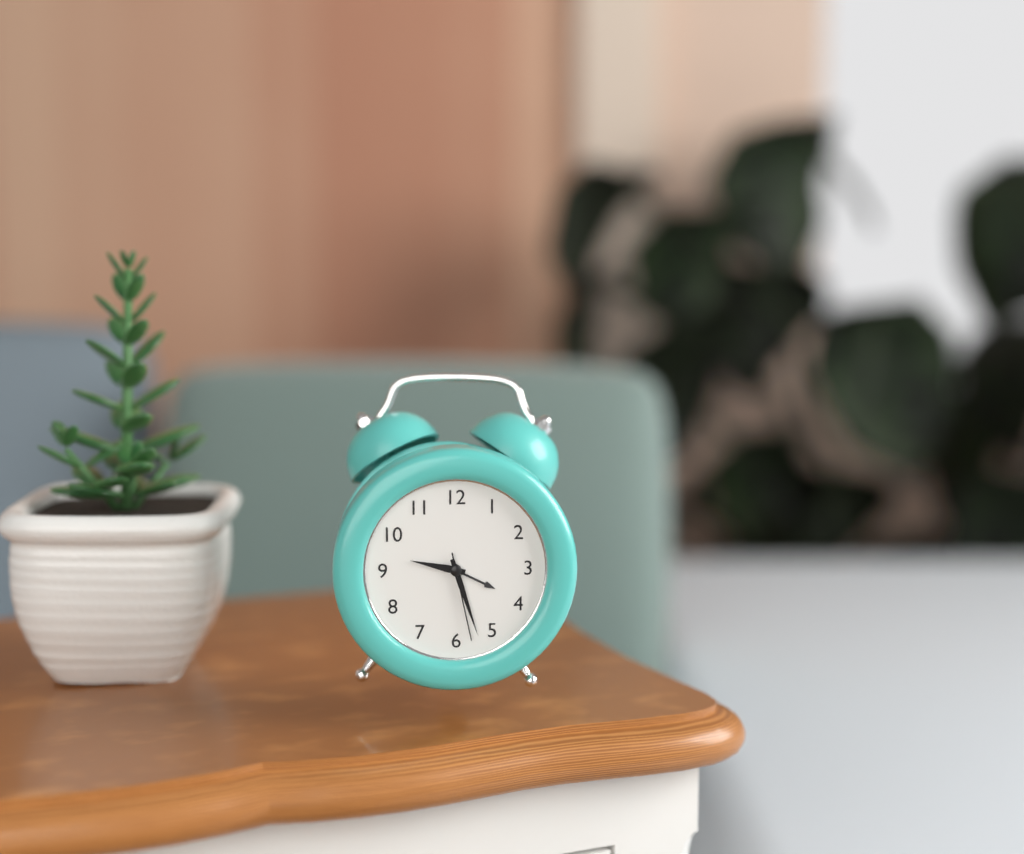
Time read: 9:27:28
